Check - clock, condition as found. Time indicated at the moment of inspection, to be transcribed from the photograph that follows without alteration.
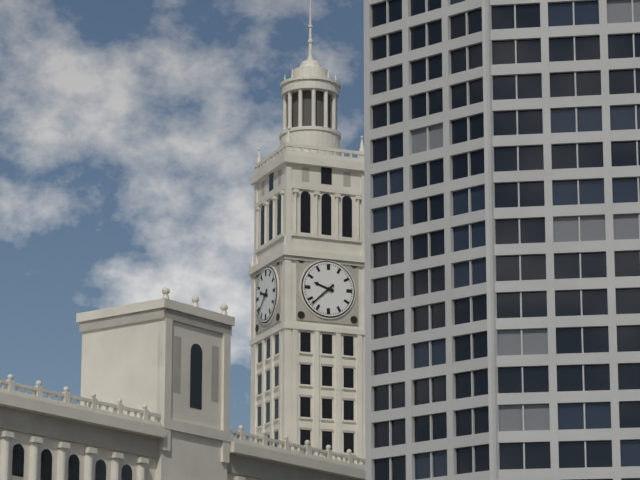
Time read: 9:38
